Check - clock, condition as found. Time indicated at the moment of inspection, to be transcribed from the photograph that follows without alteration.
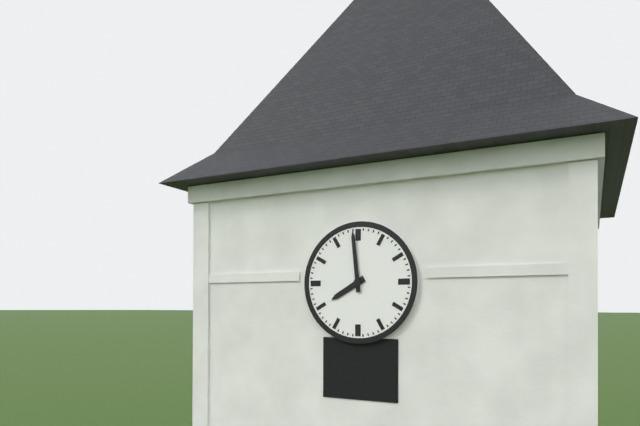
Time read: 7:59
